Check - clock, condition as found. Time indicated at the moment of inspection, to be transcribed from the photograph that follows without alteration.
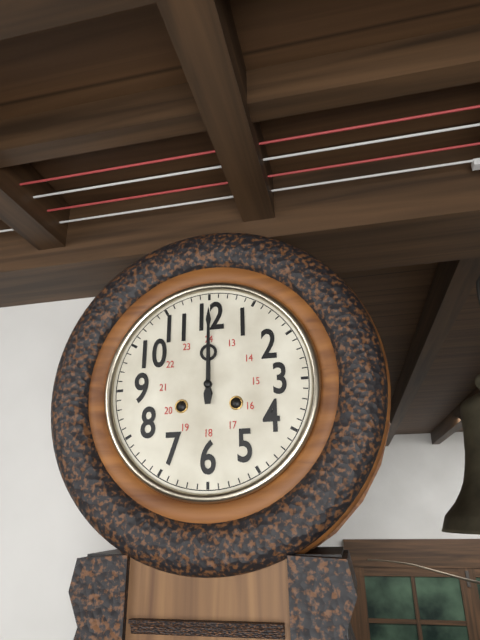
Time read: 12:00
